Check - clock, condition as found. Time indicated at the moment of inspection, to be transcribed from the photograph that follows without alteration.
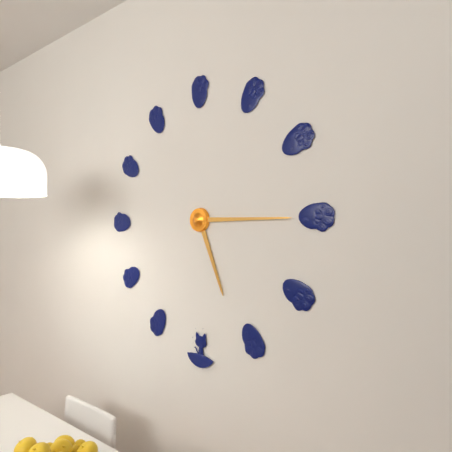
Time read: 5:15
